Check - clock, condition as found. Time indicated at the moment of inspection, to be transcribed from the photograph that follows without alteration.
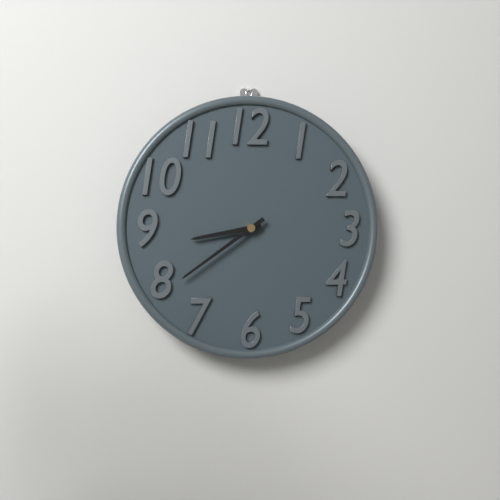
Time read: 8:39
